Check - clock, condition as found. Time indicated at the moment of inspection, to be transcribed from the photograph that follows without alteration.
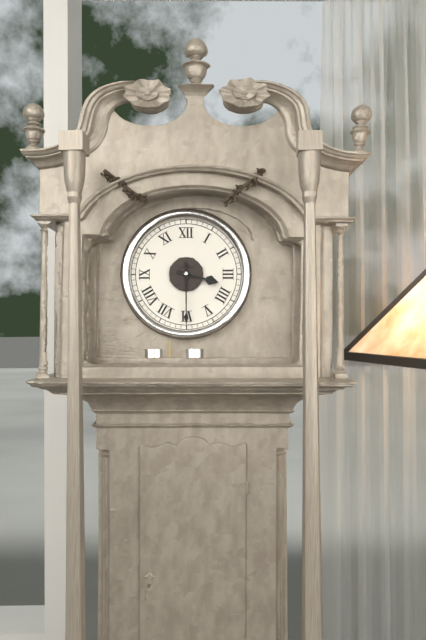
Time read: 3:30
